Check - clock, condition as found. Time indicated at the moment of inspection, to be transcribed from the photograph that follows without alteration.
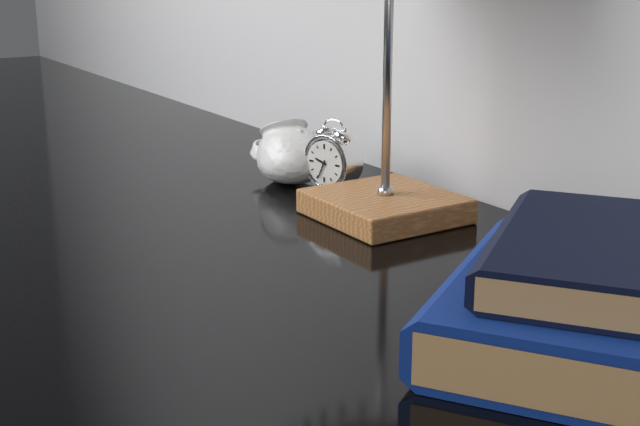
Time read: 9:34
